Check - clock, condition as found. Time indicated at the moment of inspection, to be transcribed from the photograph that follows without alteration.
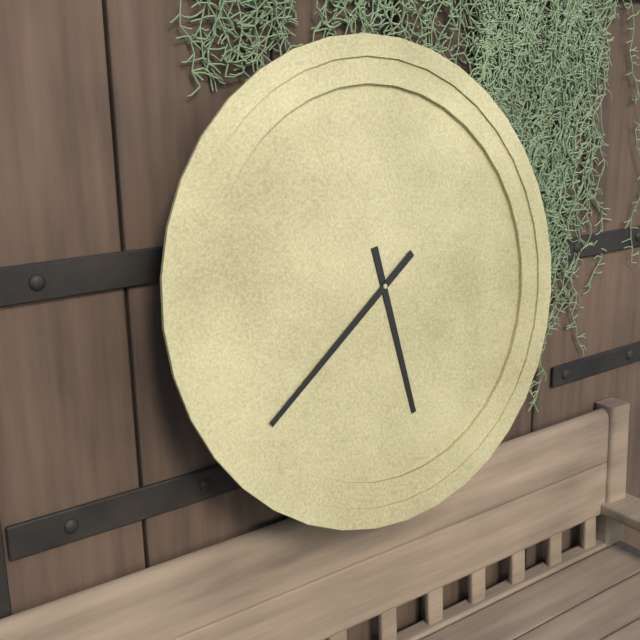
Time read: 5:39
